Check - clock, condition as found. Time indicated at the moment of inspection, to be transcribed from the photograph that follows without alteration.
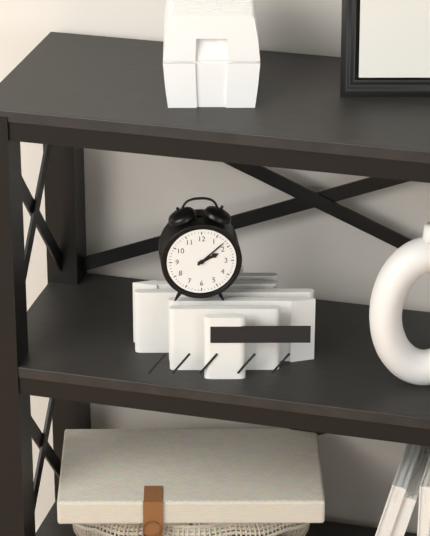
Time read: 2:08
